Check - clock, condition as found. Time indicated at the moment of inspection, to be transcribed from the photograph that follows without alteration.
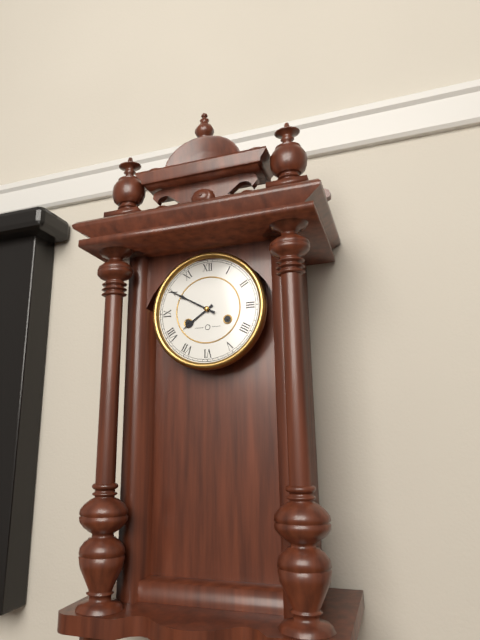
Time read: 7:50
